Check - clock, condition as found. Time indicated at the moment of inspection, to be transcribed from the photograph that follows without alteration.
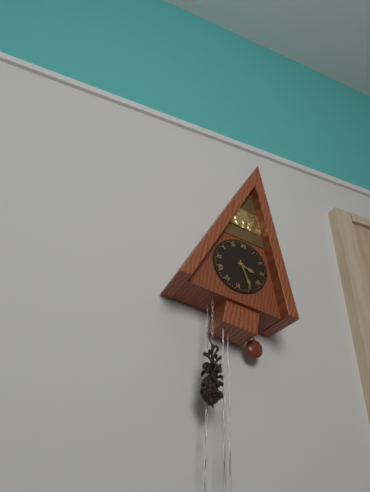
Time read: 3:25
